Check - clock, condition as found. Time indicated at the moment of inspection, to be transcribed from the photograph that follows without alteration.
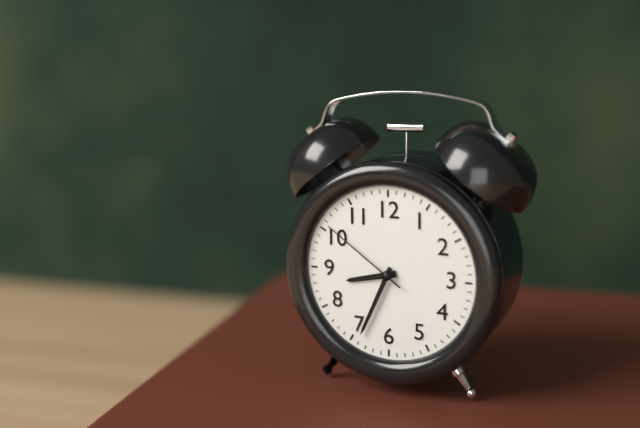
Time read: 8:34:51
